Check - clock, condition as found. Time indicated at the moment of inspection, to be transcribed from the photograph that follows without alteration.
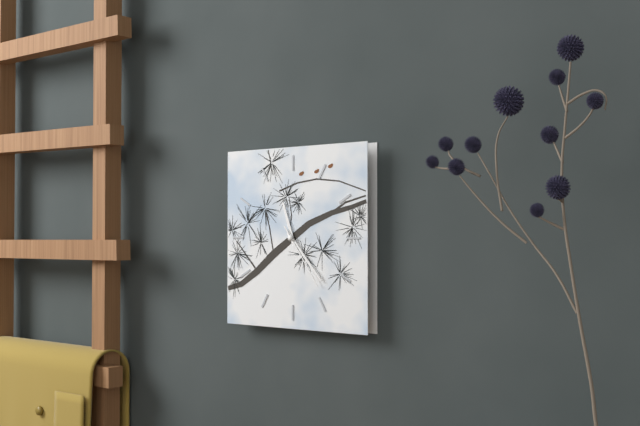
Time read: 11:23:24
